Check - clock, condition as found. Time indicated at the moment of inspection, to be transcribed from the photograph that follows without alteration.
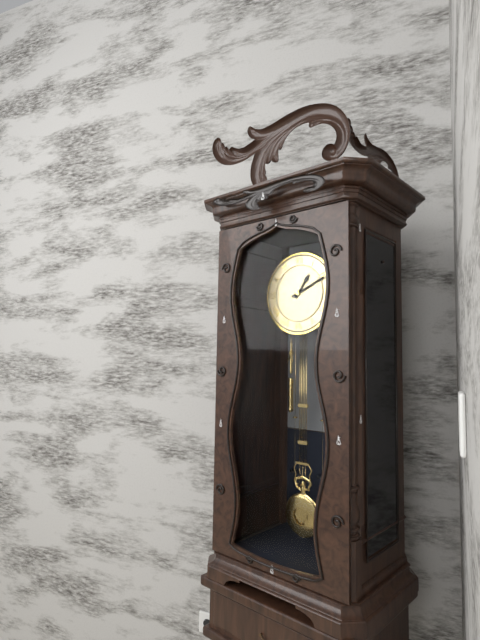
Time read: 1:11
